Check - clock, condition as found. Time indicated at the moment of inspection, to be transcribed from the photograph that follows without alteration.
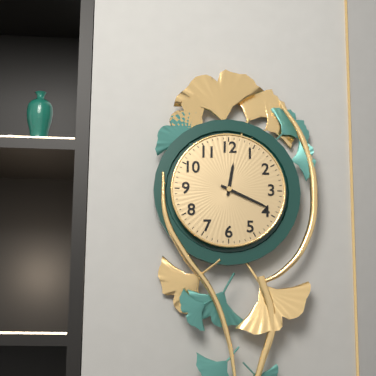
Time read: 12:19
